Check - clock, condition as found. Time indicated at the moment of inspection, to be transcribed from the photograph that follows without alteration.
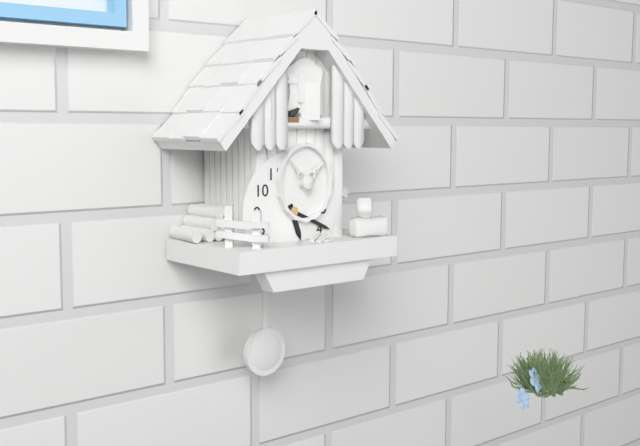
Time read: 5:19
